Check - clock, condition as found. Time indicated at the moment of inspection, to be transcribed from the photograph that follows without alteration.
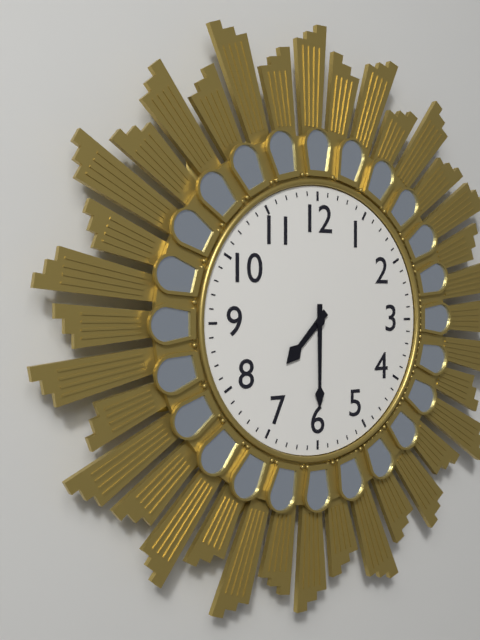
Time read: 7:30
